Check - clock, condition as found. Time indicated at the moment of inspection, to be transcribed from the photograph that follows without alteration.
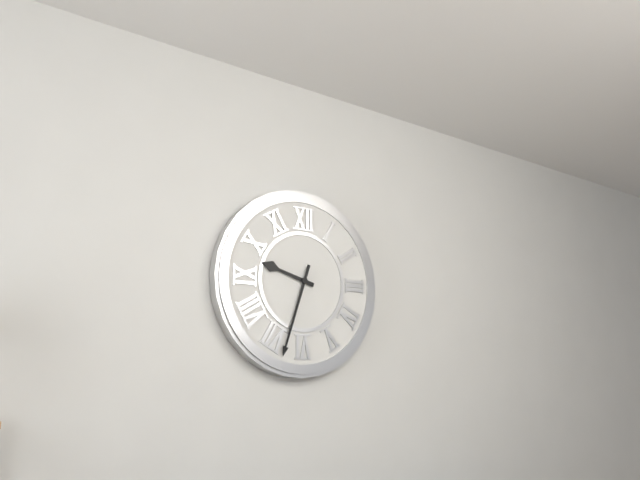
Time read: 9:33
